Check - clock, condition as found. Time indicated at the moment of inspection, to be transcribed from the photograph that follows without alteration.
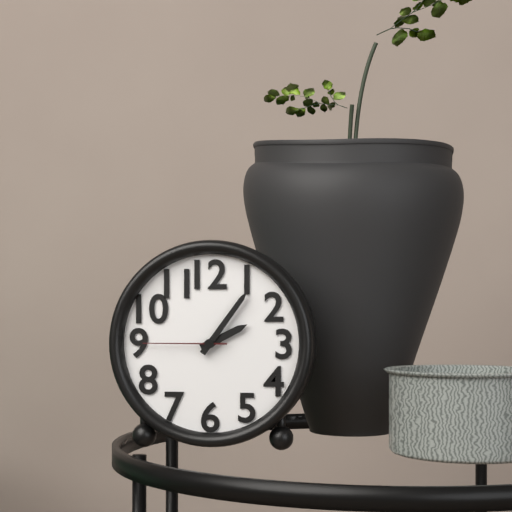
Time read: 2:06:45
